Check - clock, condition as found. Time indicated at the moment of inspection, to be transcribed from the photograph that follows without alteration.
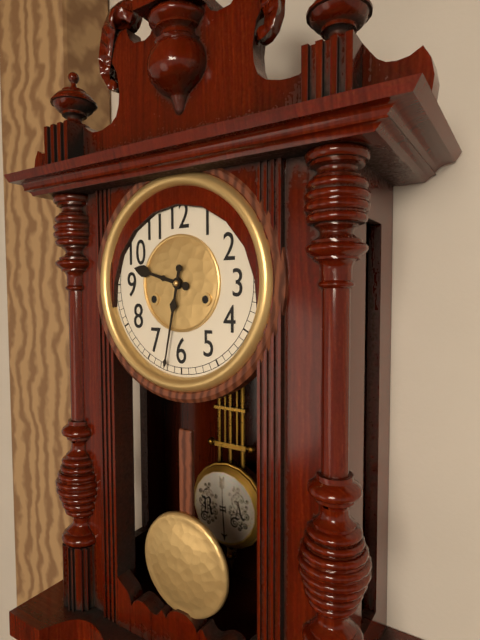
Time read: 9:32
